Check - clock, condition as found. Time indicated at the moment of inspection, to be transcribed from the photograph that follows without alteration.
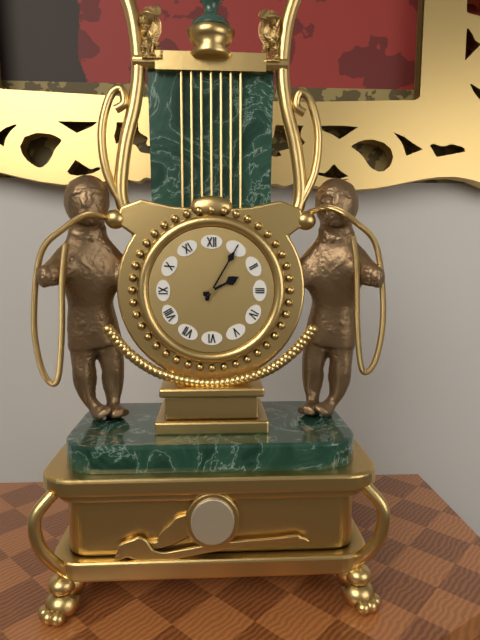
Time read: 2:05
